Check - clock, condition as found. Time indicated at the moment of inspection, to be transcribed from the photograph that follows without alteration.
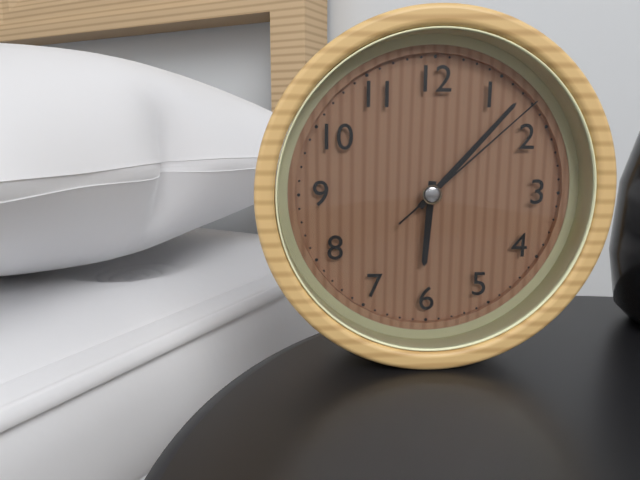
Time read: 6:07:08
